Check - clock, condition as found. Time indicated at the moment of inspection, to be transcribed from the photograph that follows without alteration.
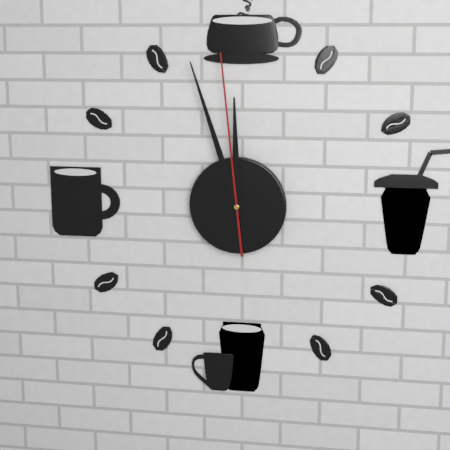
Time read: 11:57:59
